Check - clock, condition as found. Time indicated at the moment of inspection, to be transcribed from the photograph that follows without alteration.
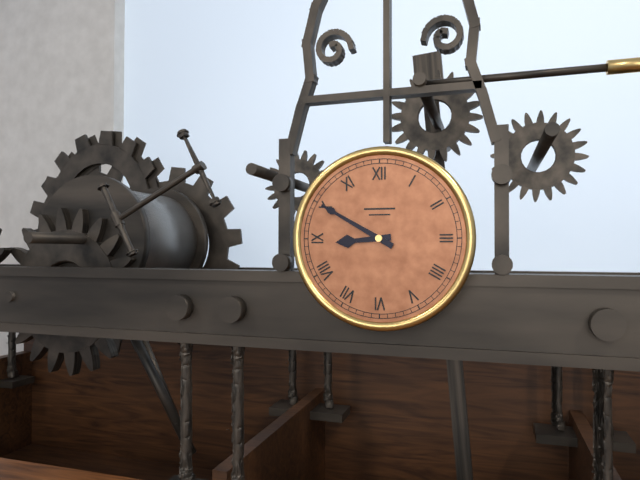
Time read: 8:50
